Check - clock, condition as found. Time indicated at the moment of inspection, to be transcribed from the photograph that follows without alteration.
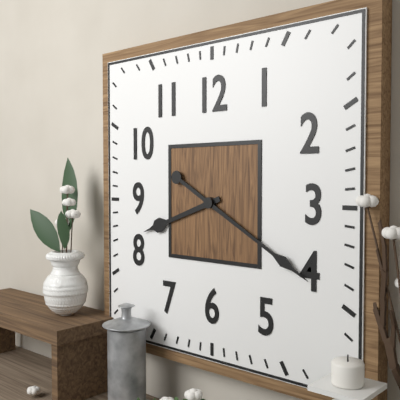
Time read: 8:20
